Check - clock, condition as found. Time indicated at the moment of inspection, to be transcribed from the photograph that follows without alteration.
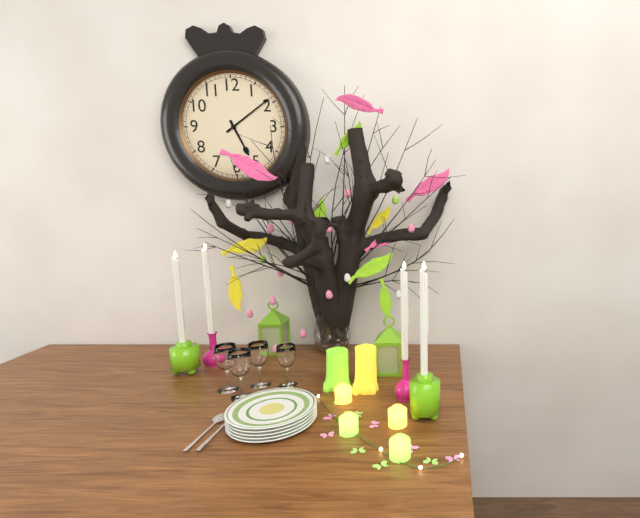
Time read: 5:09
